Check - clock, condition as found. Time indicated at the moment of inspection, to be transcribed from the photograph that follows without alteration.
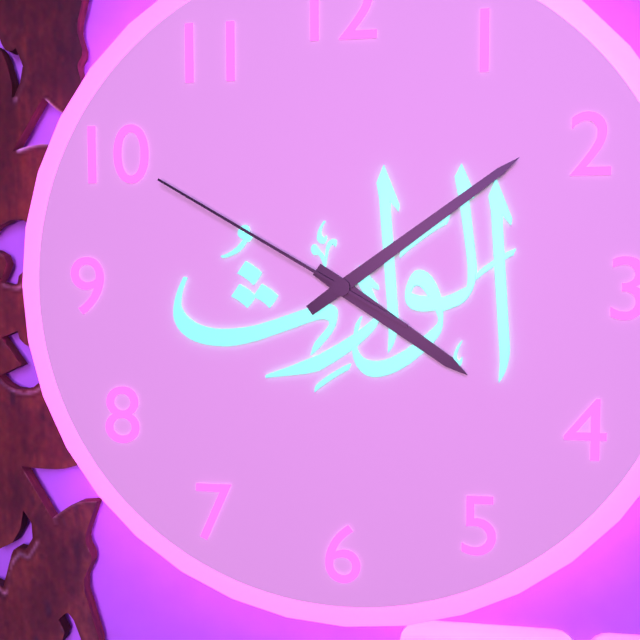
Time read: 4:09:50
